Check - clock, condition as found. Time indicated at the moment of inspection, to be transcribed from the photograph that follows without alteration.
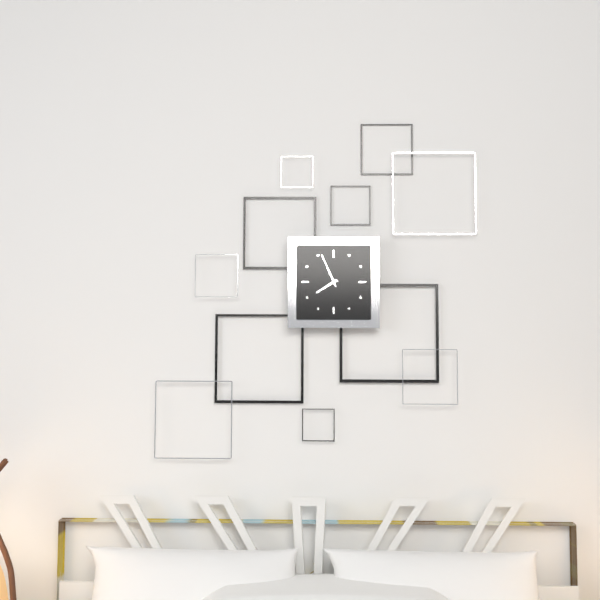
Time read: 7:56
